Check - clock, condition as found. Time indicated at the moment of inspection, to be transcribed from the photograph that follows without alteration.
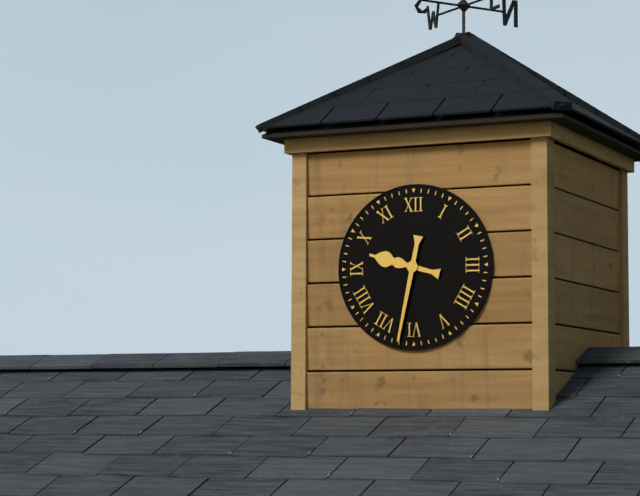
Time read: 9:32
